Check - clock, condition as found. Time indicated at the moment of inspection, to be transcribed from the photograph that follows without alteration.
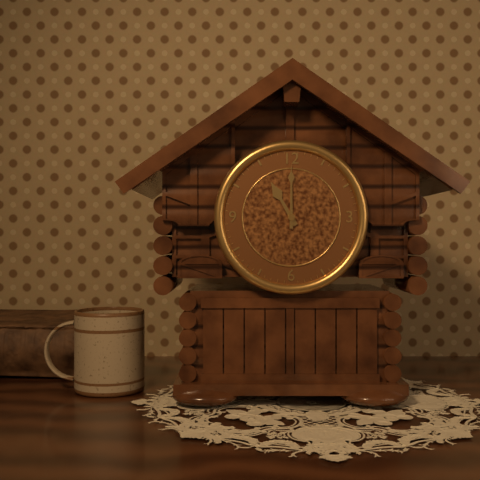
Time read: 11:00
